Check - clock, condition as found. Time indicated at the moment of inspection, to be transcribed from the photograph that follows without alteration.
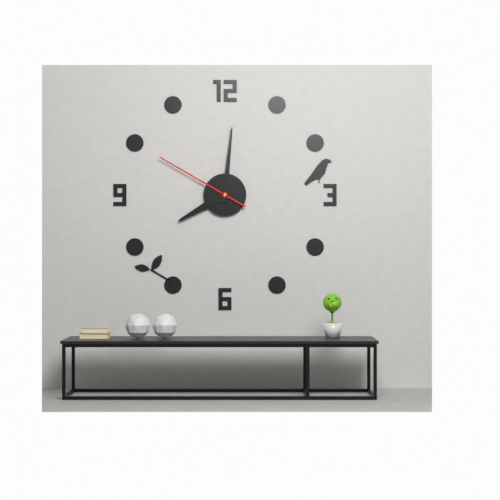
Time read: 8:01:50
